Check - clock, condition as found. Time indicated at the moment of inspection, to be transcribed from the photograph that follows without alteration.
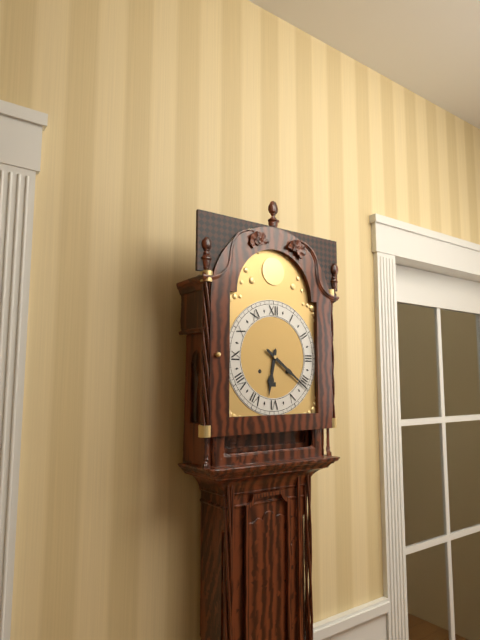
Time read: 6:21
